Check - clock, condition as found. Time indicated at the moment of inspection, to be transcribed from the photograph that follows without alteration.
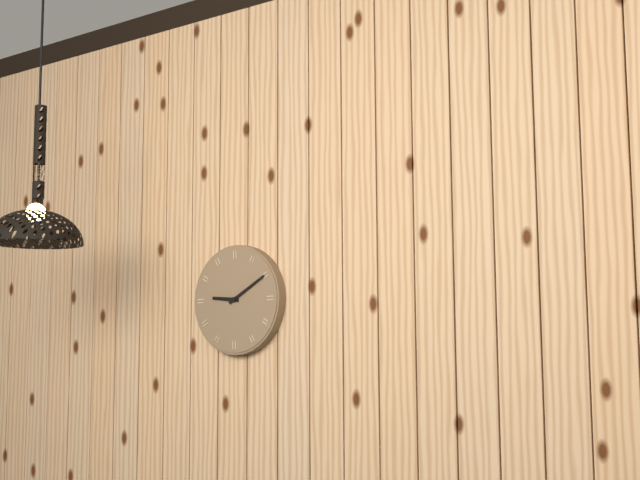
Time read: 9:10
